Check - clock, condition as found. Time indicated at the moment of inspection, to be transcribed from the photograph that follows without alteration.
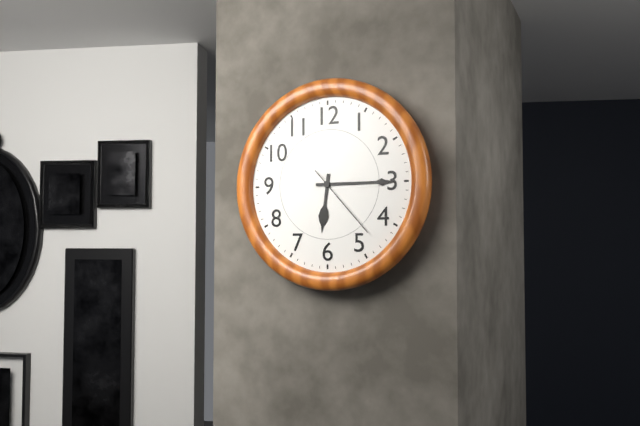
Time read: 6:15:23
